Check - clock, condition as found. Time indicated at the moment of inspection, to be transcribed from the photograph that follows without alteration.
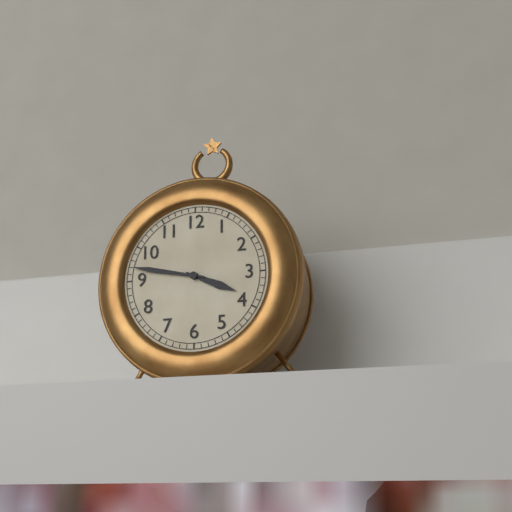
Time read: 3:47
